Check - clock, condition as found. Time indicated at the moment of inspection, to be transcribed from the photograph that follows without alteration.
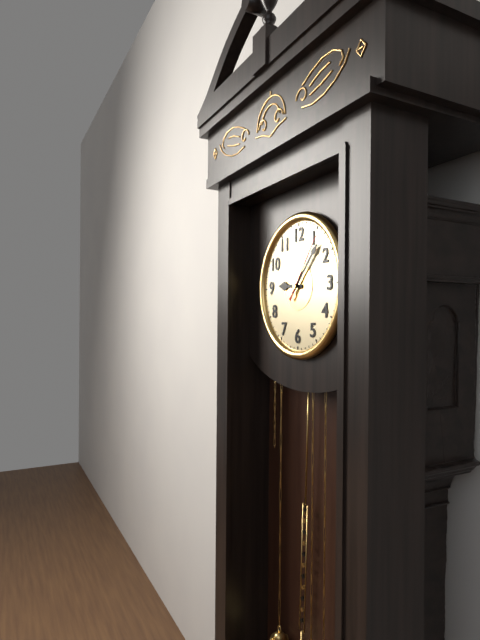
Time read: 9:07:06
